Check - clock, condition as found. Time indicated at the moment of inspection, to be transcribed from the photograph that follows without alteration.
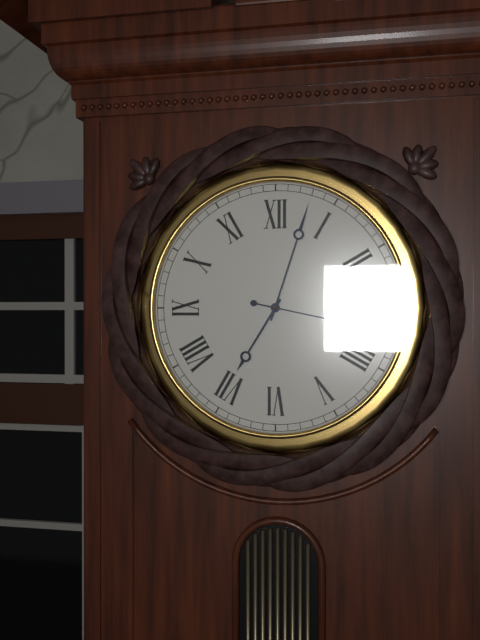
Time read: 7:03:17
